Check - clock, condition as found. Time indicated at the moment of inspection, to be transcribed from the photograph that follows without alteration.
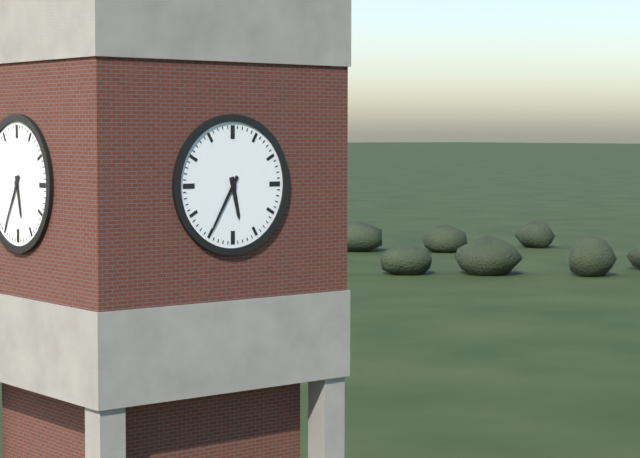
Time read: 5:35
